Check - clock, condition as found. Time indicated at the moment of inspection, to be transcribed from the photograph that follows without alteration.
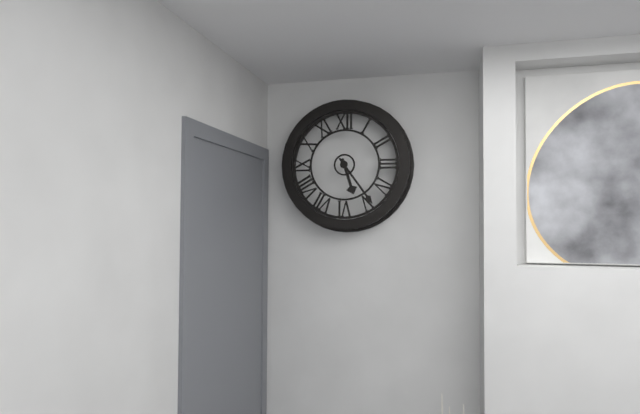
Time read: 5:24
